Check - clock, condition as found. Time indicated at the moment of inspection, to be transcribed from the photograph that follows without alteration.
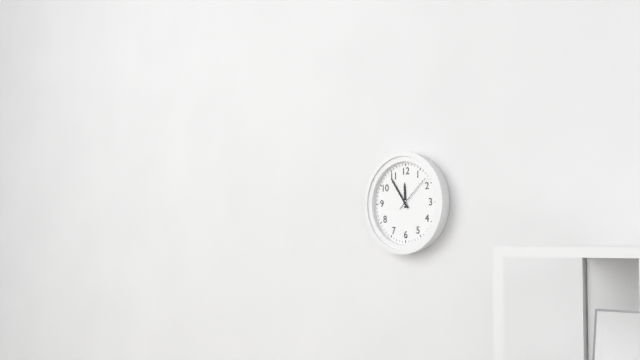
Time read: 11:54
